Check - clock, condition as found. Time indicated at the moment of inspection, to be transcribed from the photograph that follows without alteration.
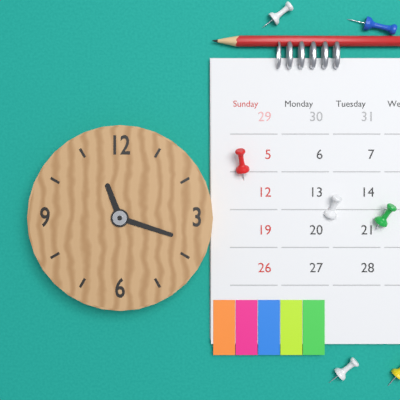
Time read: 11:18
